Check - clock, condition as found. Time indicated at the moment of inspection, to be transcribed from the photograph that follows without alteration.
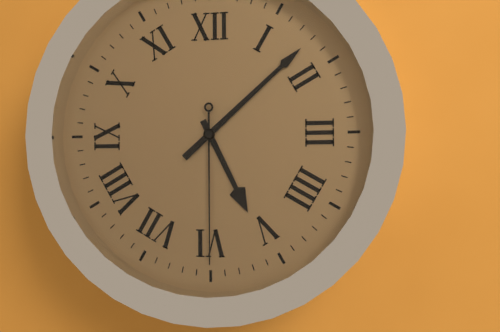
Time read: 5:08:30
